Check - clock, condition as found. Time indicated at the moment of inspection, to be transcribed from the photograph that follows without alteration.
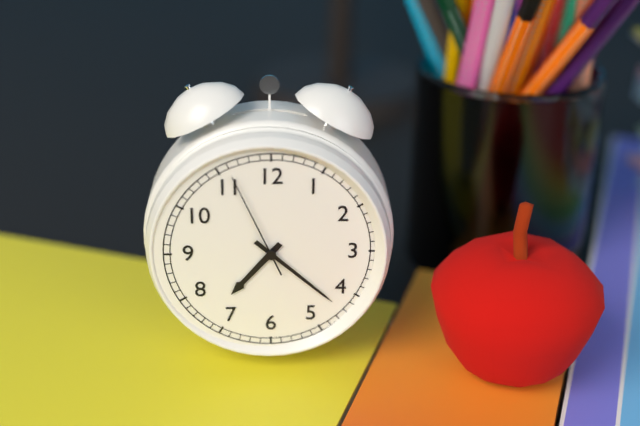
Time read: 7:22:56
